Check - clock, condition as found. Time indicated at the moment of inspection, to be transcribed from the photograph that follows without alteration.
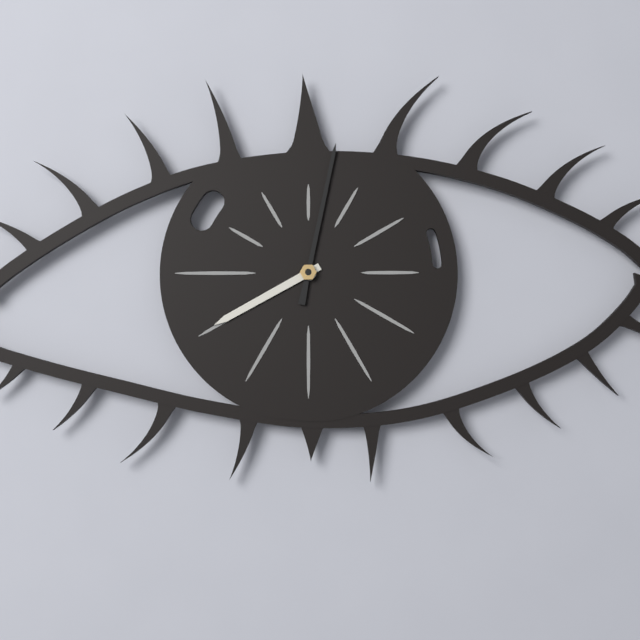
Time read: 8:02
